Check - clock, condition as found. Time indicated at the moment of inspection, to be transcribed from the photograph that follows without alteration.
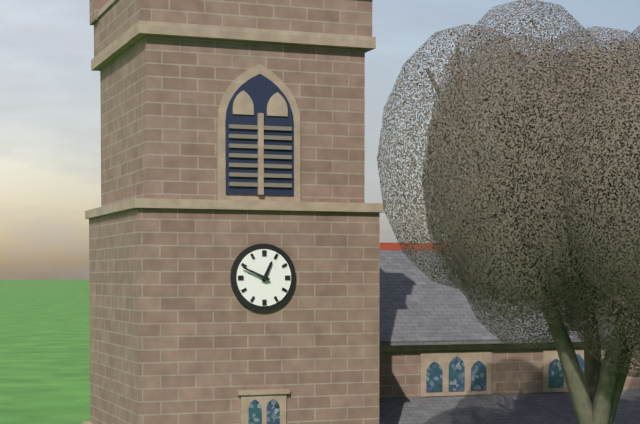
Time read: 12:49
